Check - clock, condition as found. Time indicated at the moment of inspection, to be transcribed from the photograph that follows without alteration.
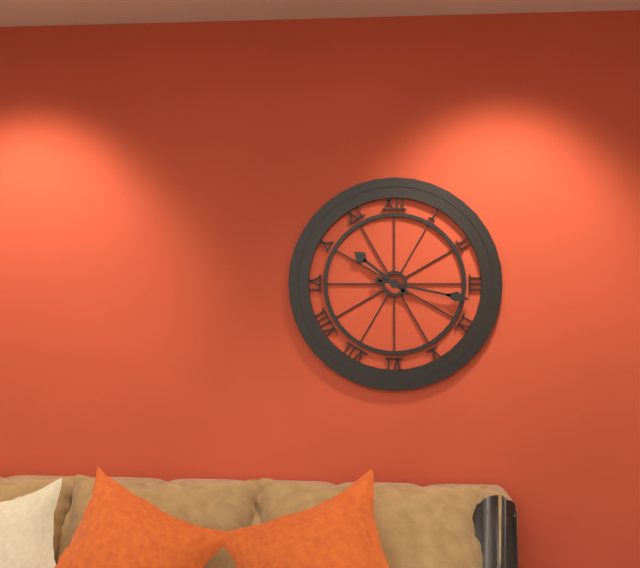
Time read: 10:17
